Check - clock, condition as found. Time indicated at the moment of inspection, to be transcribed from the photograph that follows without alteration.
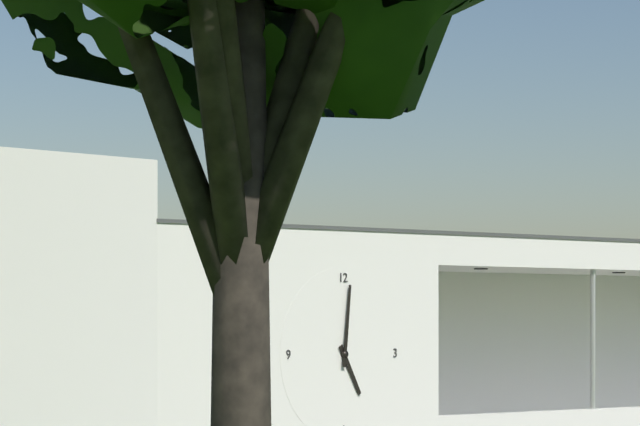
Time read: 5:01
